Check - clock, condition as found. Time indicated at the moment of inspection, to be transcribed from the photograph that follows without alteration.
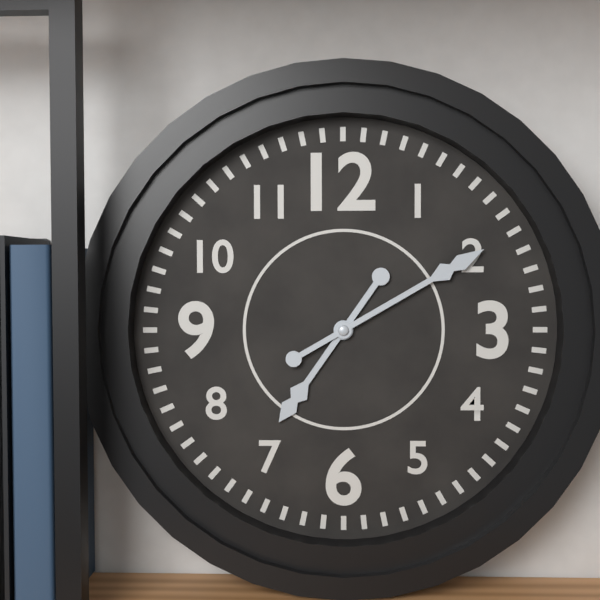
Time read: 7:10
